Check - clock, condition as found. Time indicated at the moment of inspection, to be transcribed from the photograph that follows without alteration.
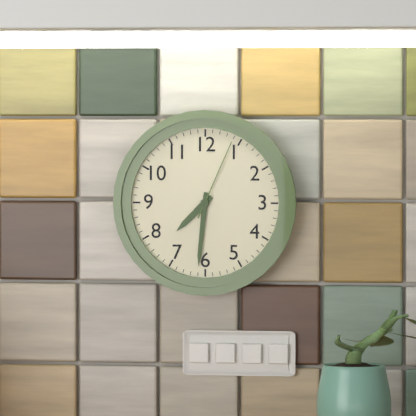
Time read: 7:31:04
